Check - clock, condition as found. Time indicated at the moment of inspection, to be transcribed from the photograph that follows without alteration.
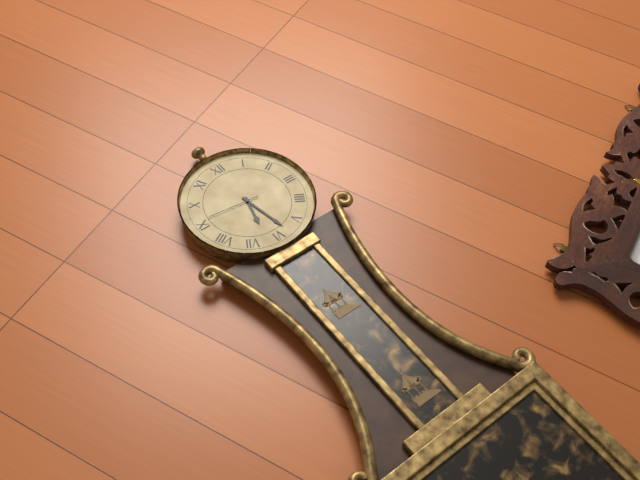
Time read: 6:28:46
